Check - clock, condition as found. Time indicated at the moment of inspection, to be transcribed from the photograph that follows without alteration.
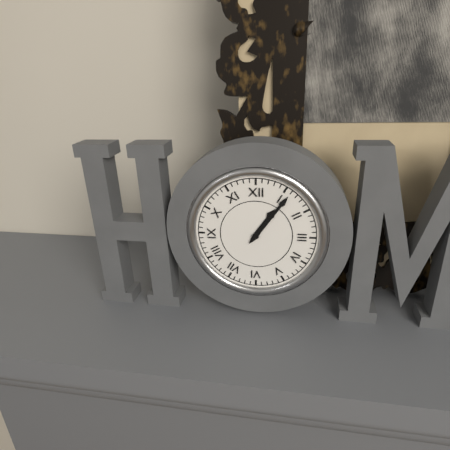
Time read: 1:06
